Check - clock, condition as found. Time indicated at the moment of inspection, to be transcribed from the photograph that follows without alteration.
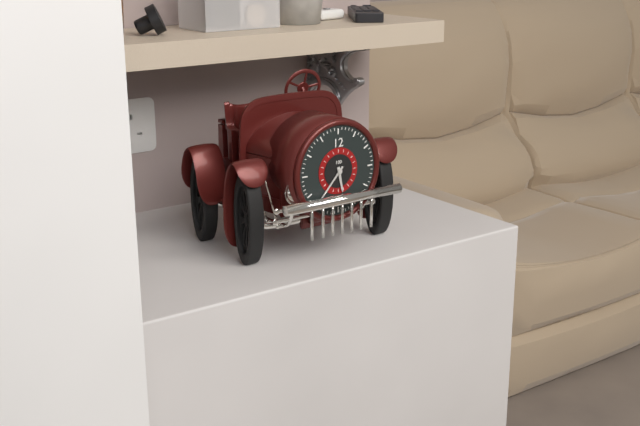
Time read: 5:37
